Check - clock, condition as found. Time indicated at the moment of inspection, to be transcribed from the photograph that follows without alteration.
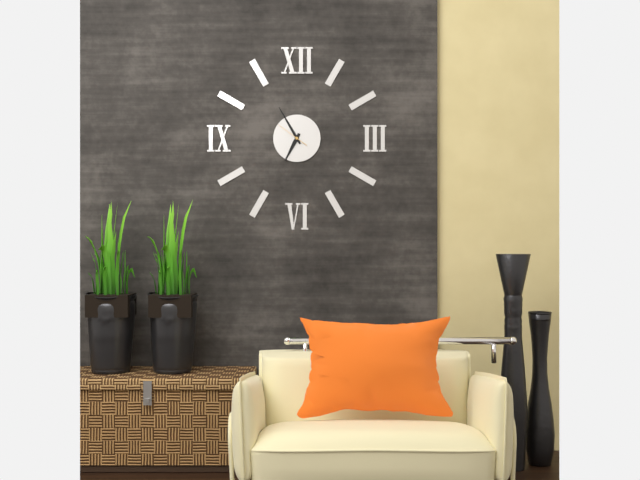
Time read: 6:55
